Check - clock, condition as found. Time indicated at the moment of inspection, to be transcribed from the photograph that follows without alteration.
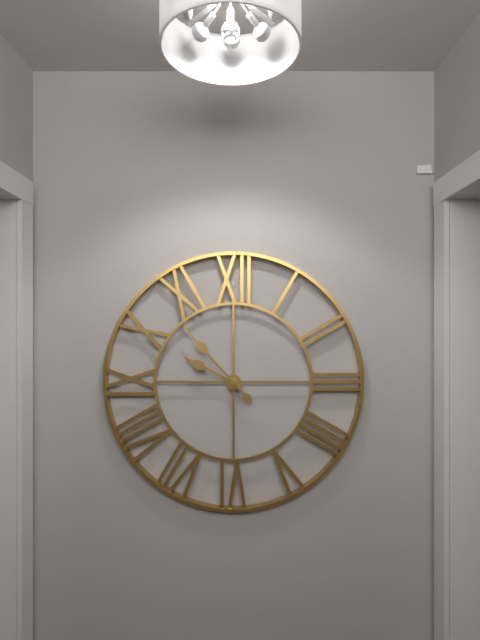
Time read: 9:53
